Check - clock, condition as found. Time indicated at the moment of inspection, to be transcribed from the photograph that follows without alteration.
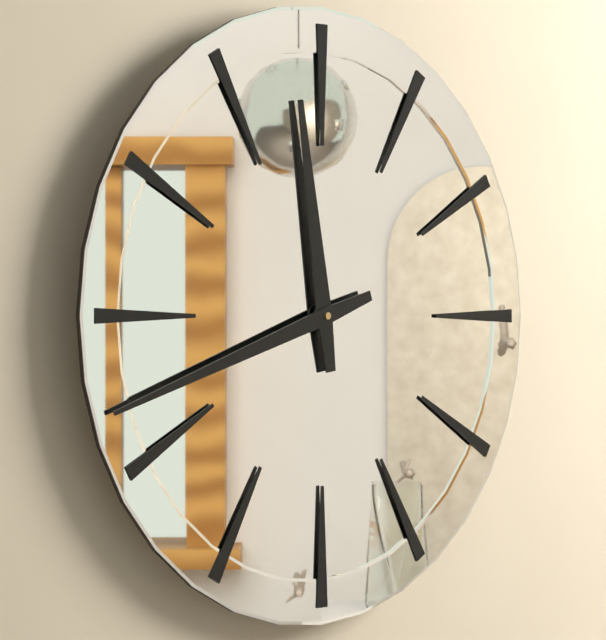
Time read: 11:42
